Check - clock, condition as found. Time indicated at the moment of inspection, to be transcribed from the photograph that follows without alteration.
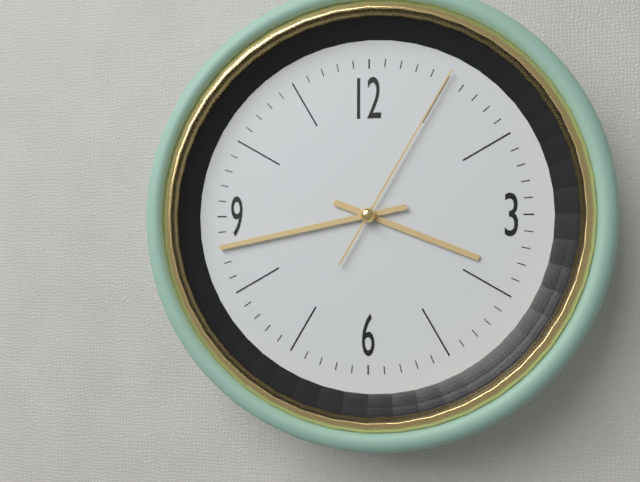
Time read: 3:43:05
